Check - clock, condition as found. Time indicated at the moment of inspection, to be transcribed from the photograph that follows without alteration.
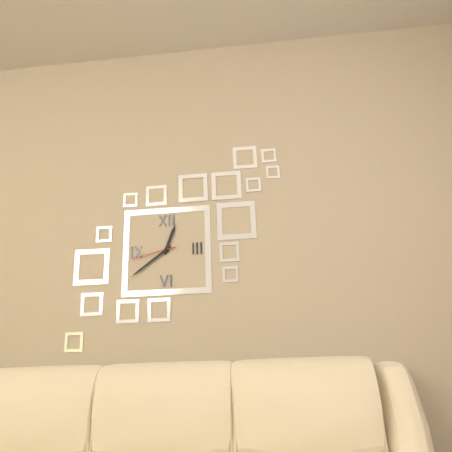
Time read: 12:39
